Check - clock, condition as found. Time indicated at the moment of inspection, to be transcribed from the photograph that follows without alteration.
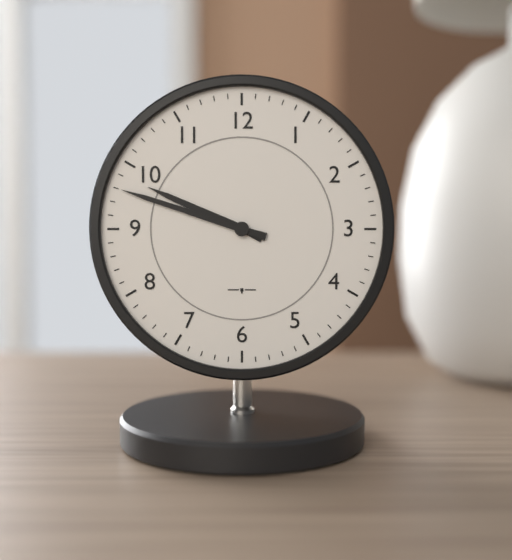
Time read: 9:48
